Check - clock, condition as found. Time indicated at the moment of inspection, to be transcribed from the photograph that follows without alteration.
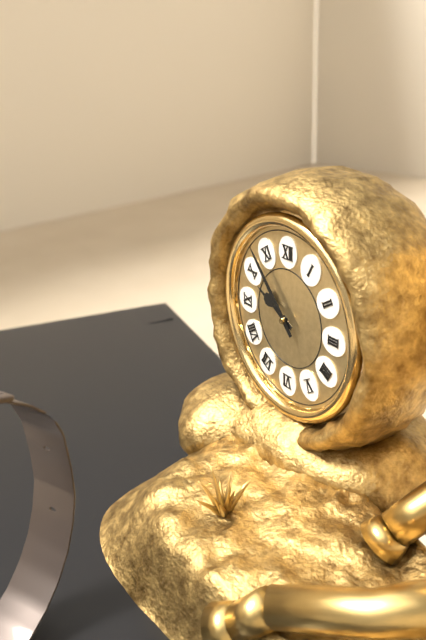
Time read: 9:53
